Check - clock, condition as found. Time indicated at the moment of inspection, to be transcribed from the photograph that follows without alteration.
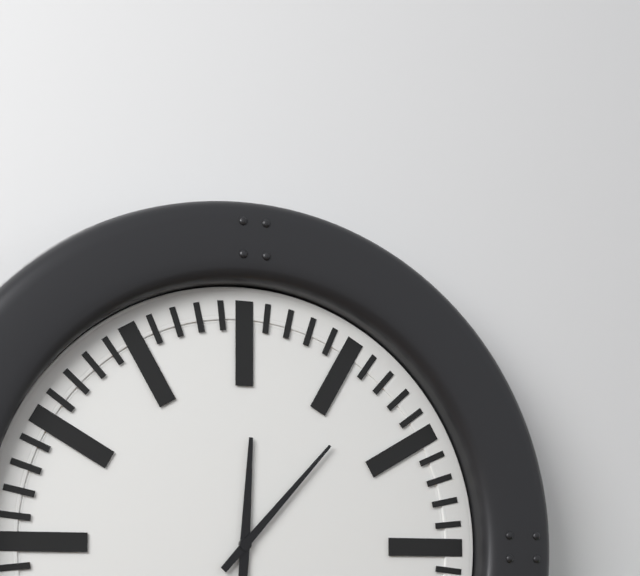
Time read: 12:07
